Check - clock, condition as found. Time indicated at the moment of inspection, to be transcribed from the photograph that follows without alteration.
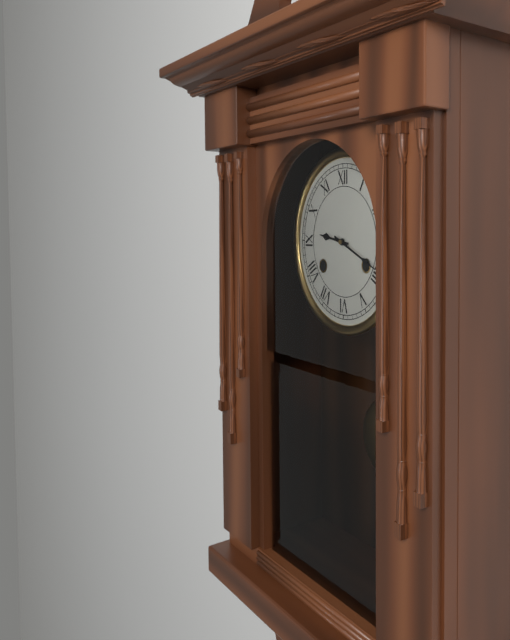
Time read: 9:19
